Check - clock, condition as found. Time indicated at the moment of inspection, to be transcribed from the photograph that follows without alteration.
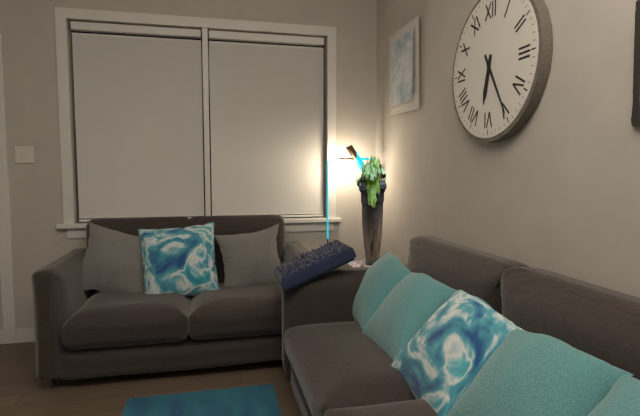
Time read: 6:25
